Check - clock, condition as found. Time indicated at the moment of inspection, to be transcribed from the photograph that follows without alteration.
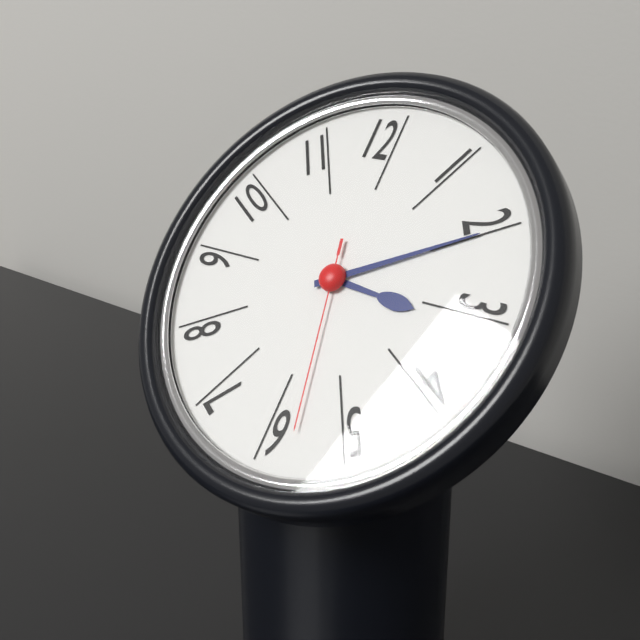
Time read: 3:10:28
